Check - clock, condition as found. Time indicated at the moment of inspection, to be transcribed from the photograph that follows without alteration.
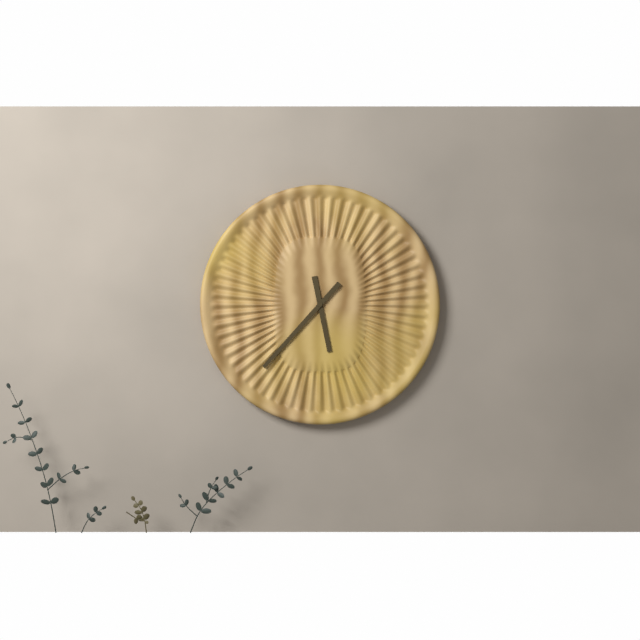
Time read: 5:37
